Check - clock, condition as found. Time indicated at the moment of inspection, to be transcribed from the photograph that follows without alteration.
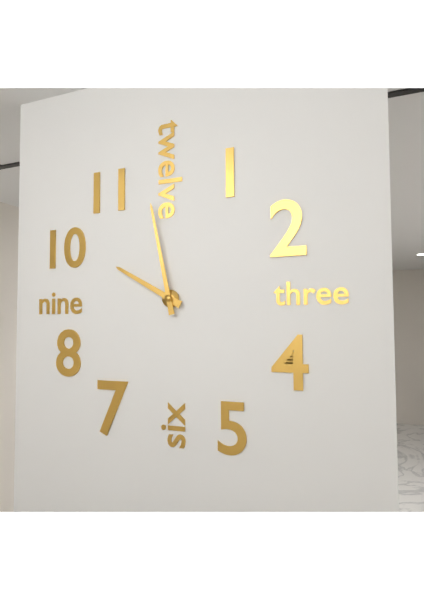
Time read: 9:58
